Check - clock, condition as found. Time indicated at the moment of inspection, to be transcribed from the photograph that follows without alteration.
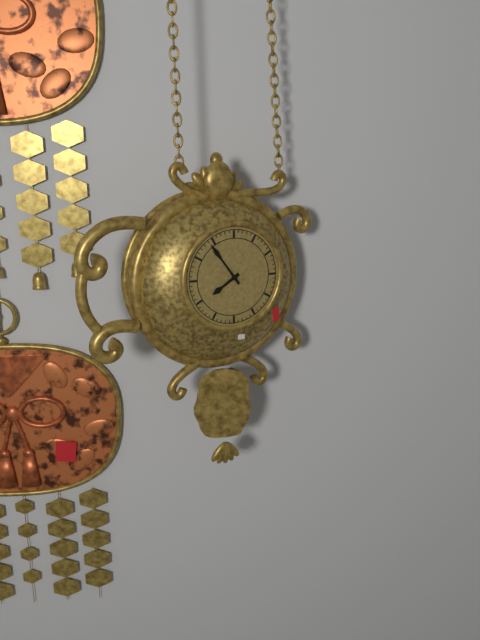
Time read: 7:54
